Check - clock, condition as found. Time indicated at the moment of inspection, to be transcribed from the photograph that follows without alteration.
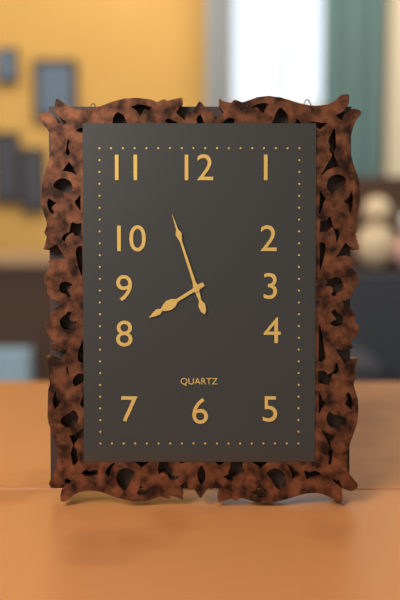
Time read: 7:57
